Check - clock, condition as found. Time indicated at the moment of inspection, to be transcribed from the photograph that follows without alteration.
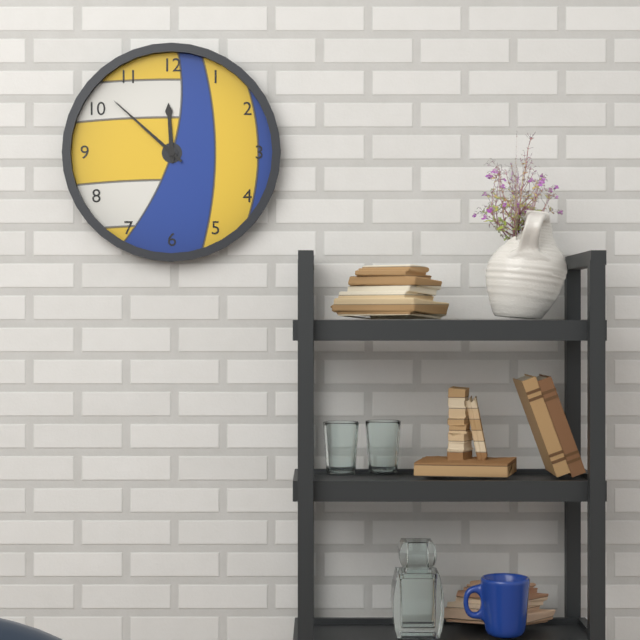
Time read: 11:52
